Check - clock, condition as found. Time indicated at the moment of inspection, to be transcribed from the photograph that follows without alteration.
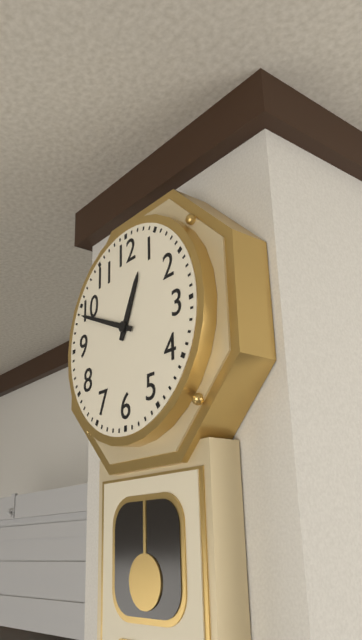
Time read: 12:49
